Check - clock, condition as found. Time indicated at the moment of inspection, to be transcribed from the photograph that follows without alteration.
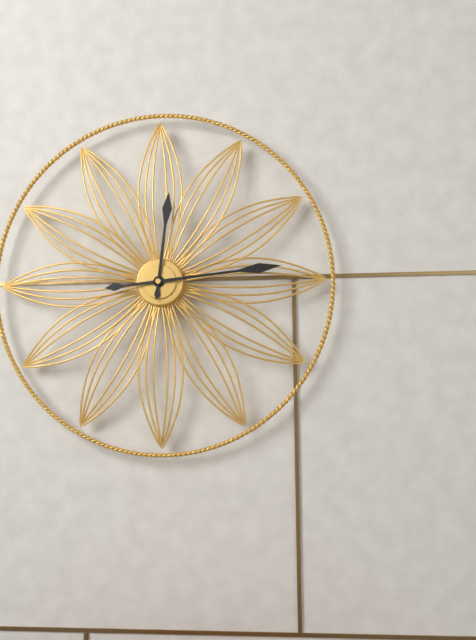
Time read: 12:14
